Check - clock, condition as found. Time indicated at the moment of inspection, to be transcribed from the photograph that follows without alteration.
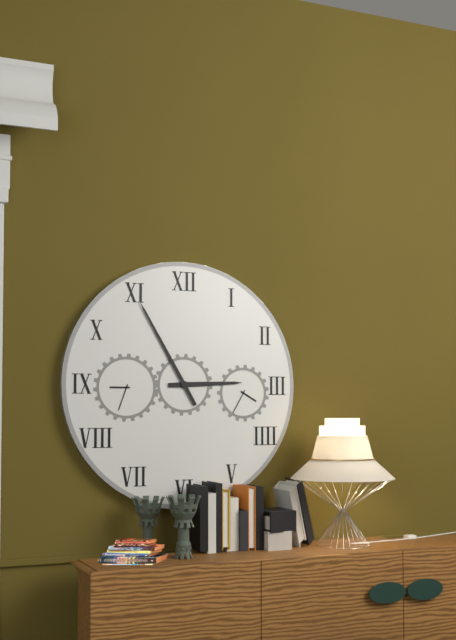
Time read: 2:55
